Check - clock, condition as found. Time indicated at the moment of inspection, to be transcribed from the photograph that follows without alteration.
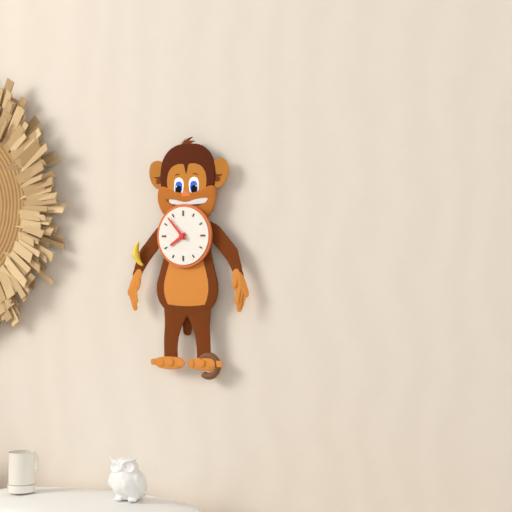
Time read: 7:53
